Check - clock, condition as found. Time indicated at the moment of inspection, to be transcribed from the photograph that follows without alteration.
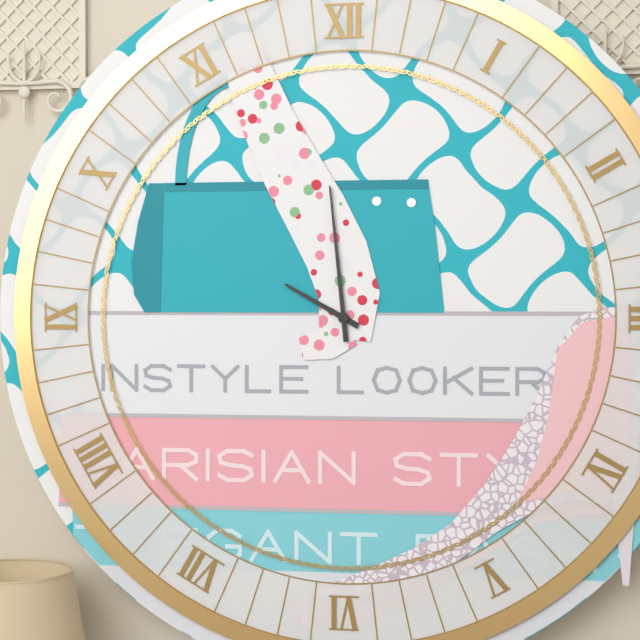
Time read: 9:59
